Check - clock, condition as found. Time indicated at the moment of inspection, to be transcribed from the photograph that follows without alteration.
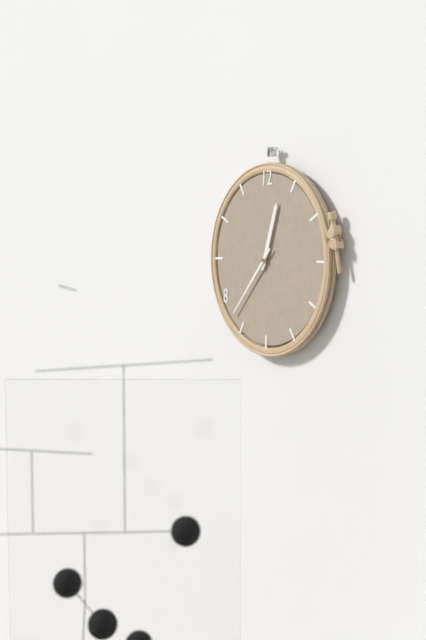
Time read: 12:37
